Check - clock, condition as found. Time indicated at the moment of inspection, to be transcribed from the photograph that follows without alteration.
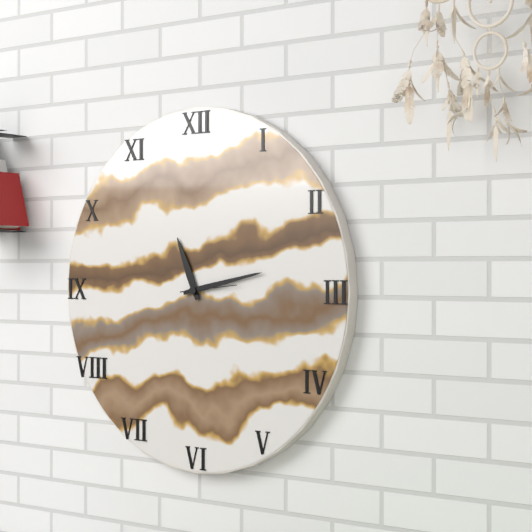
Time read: 11:13
